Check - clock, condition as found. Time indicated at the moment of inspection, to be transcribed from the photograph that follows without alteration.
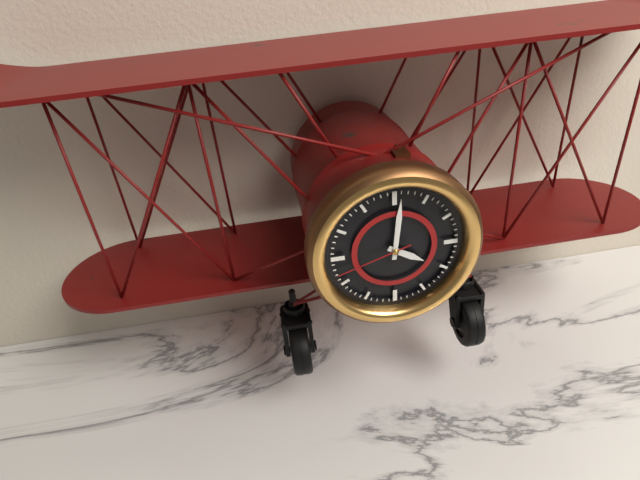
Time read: 4:01:42
